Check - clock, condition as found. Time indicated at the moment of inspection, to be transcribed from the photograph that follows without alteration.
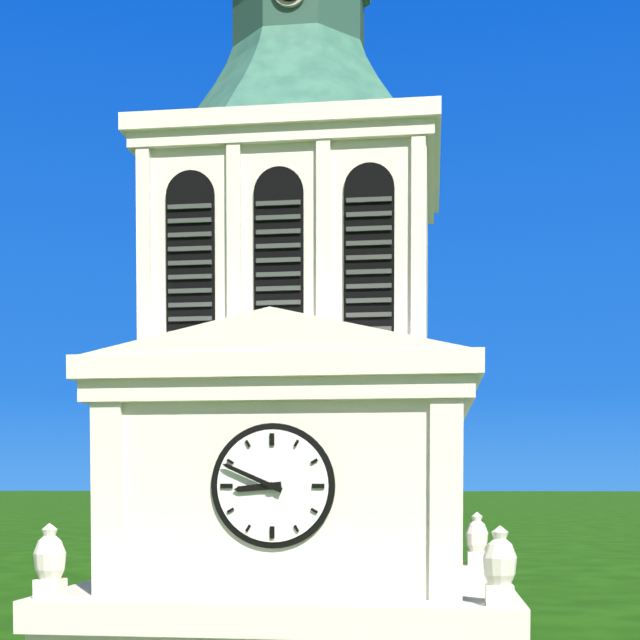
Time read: 8:49
